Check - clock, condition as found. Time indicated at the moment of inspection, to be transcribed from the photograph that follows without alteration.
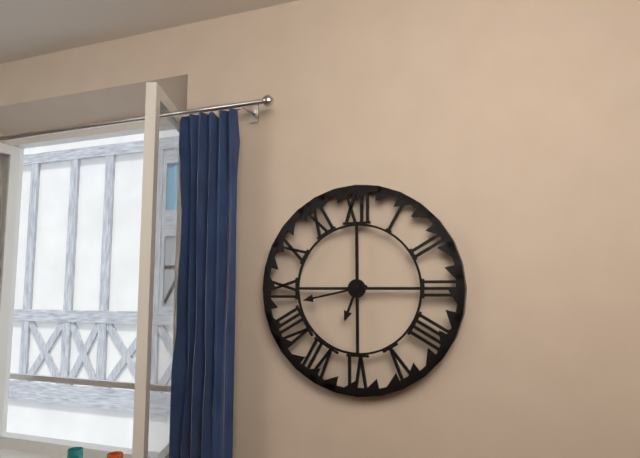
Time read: 6:43
